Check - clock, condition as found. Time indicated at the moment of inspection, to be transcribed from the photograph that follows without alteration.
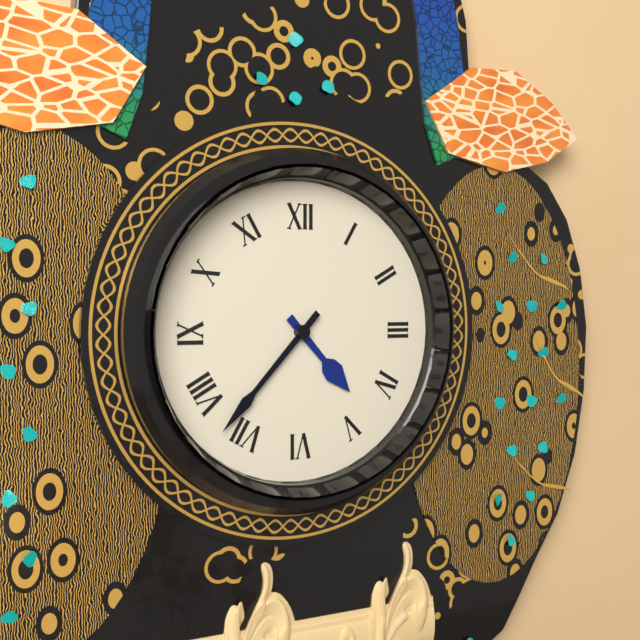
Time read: 4:37
